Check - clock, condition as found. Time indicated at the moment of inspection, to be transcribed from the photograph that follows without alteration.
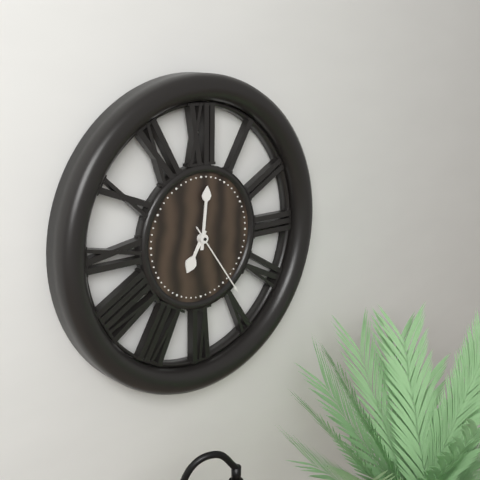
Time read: 7:01:24
